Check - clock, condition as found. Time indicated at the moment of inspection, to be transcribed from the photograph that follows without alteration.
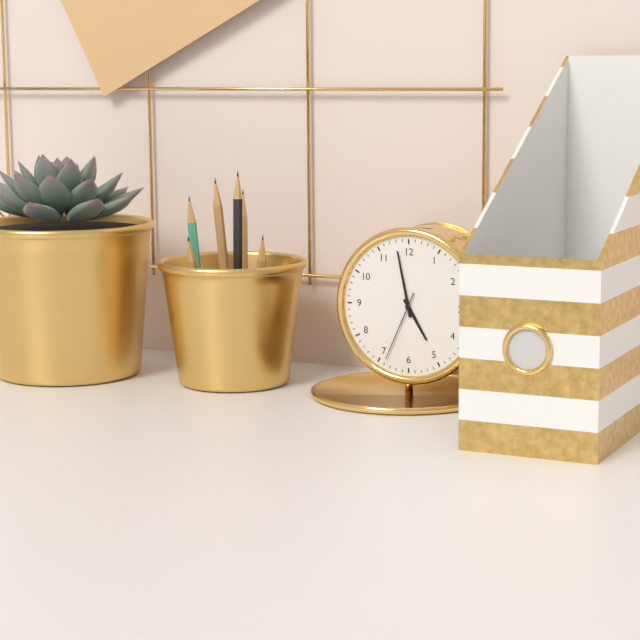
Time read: 4:58:34
